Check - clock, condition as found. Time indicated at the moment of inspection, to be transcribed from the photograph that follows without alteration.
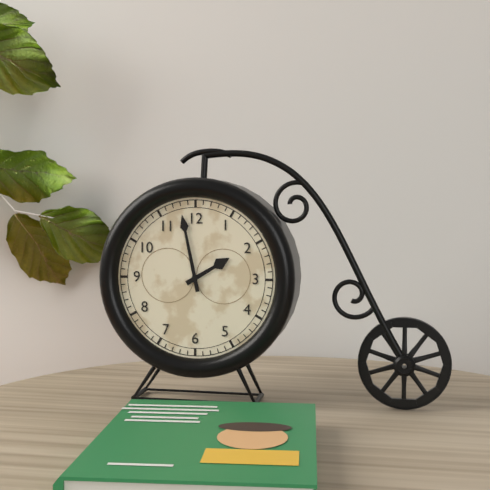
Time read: 1:58
